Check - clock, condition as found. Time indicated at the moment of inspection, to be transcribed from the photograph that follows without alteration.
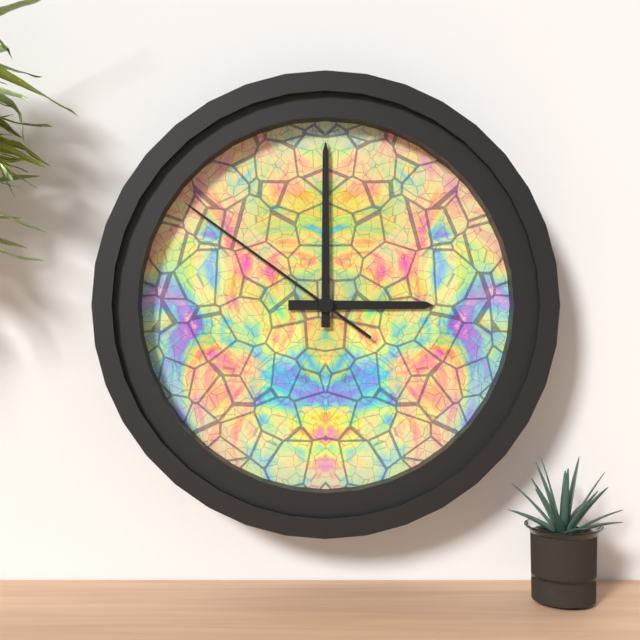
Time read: 3:00:51
